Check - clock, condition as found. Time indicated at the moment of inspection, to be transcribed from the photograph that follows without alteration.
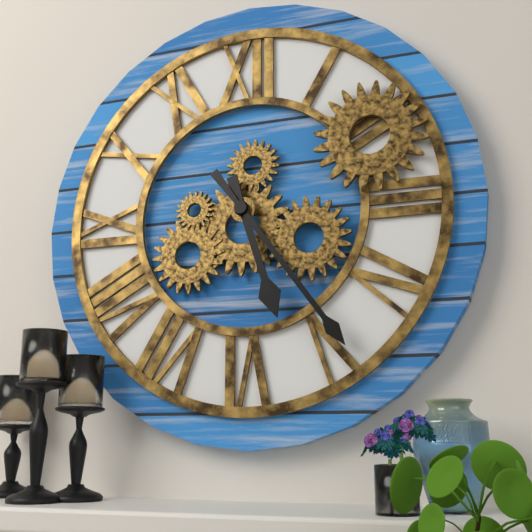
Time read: 5:24
